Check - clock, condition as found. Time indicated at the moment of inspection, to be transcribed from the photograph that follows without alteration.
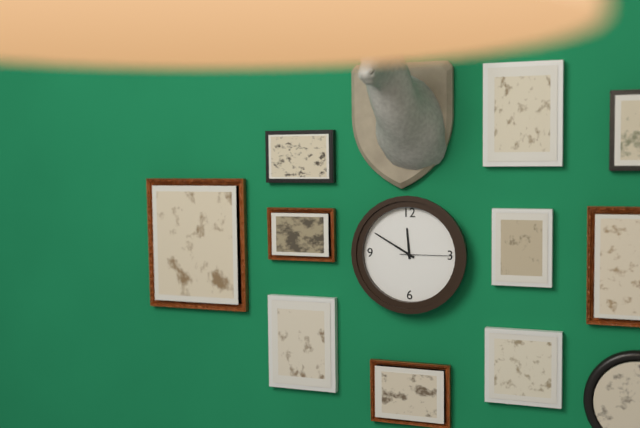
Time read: 11:50:15
